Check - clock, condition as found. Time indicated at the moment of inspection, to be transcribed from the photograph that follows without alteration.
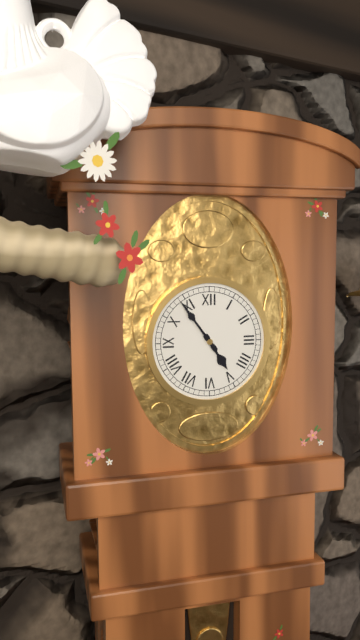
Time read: 4:54
